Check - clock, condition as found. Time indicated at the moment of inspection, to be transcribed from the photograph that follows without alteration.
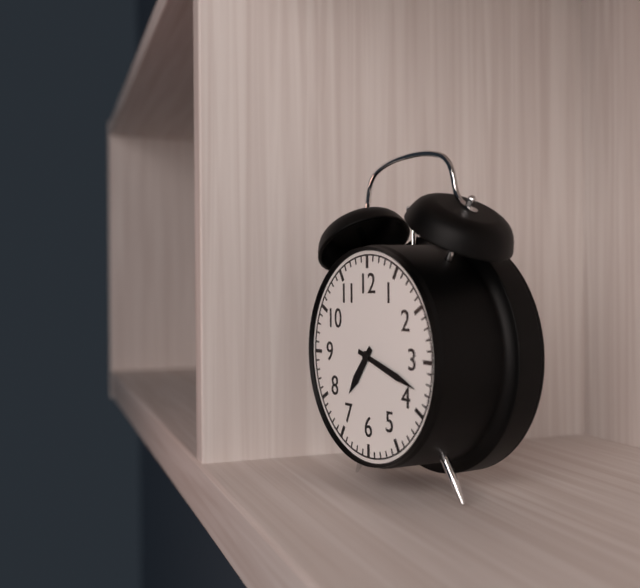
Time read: 7:18
